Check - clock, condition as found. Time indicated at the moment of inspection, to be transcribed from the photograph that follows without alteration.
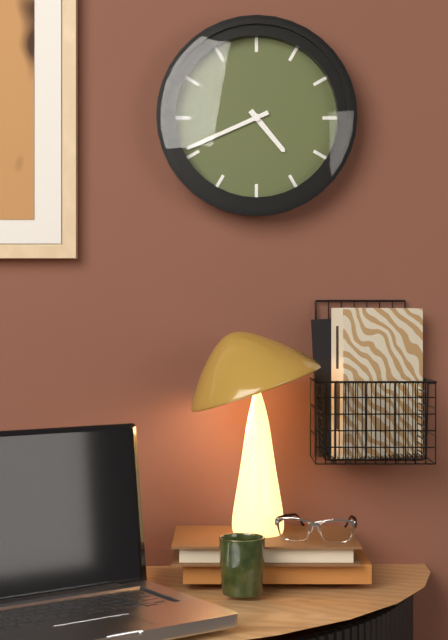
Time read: 4:41
